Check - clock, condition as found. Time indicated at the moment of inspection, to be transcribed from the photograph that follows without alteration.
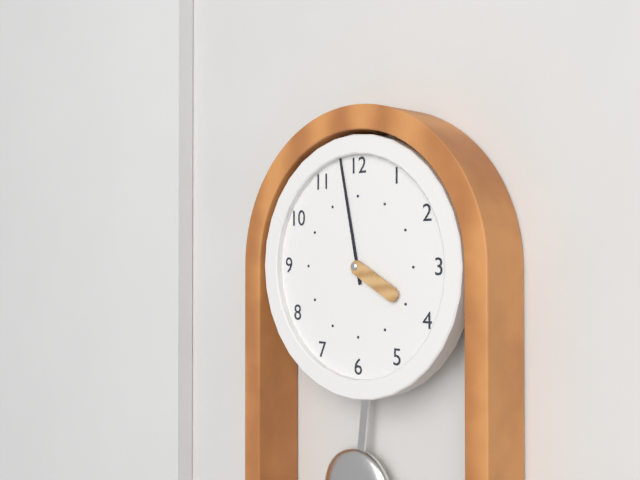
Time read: 3:58
